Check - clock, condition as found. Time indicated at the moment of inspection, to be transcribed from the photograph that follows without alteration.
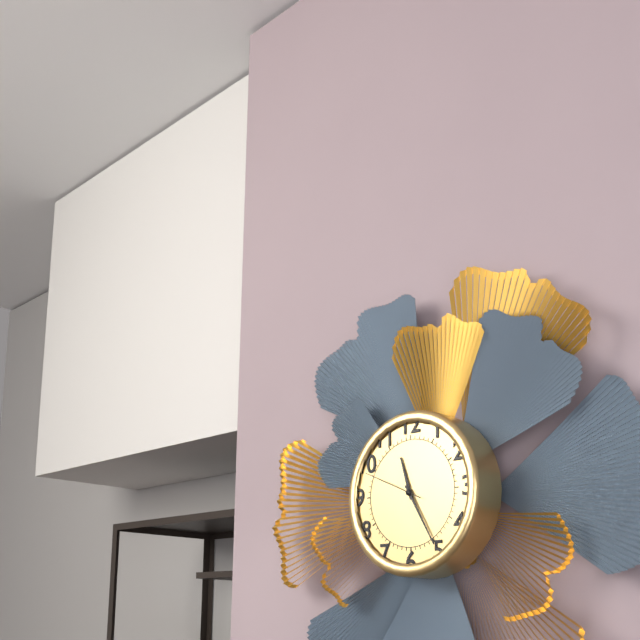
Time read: 11:25:49
